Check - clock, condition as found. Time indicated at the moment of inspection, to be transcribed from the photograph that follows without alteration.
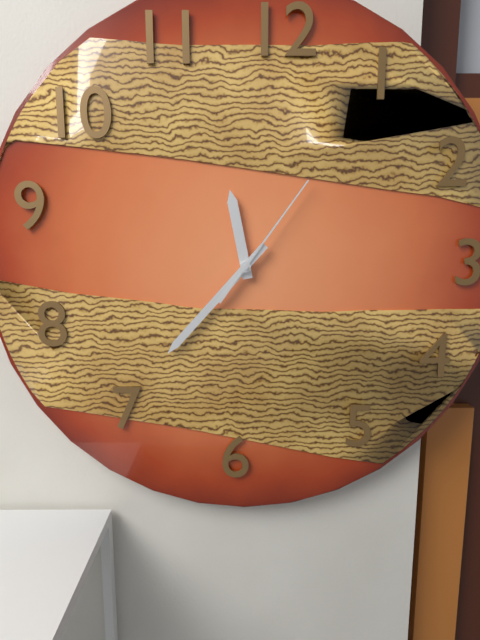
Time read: 11:37:06
